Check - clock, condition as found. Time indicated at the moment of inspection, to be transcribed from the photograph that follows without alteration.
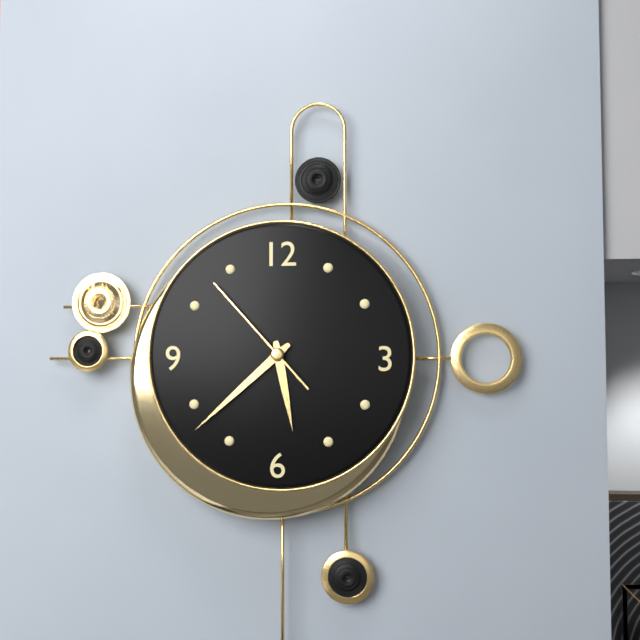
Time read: 5:38:53
